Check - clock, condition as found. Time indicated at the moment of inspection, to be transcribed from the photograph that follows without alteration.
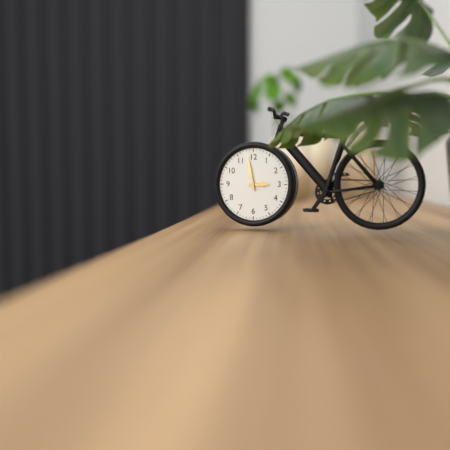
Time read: 2:58
